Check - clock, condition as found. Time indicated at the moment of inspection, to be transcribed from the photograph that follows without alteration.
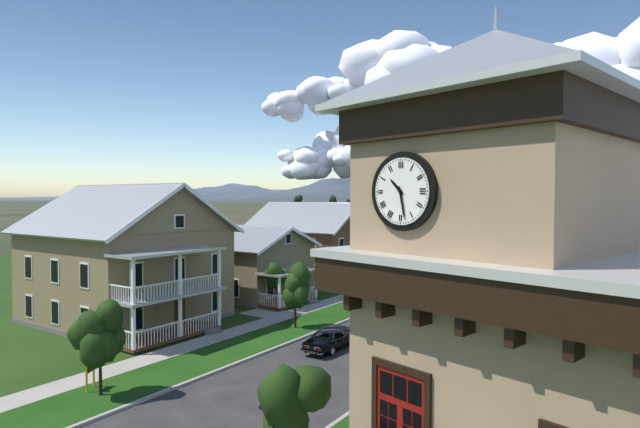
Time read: 10:28
